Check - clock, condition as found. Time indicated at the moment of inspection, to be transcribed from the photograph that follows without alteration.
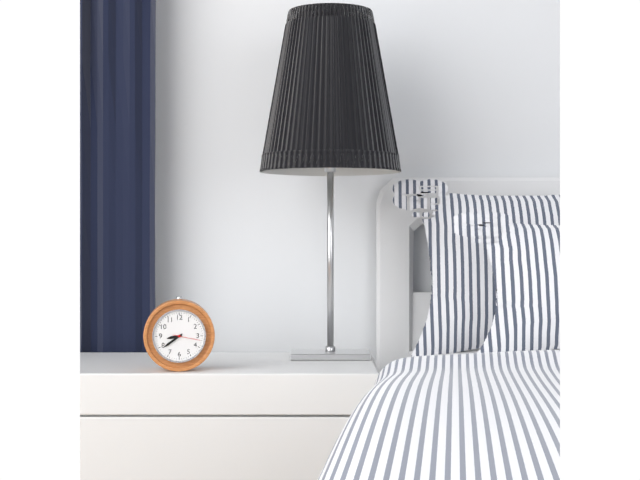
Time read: 8:39
